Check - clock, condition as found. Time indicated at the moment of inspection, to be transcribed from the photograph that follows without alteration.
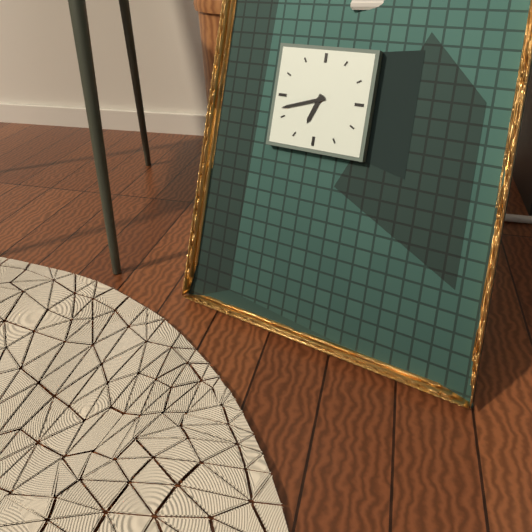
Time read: 6:42
